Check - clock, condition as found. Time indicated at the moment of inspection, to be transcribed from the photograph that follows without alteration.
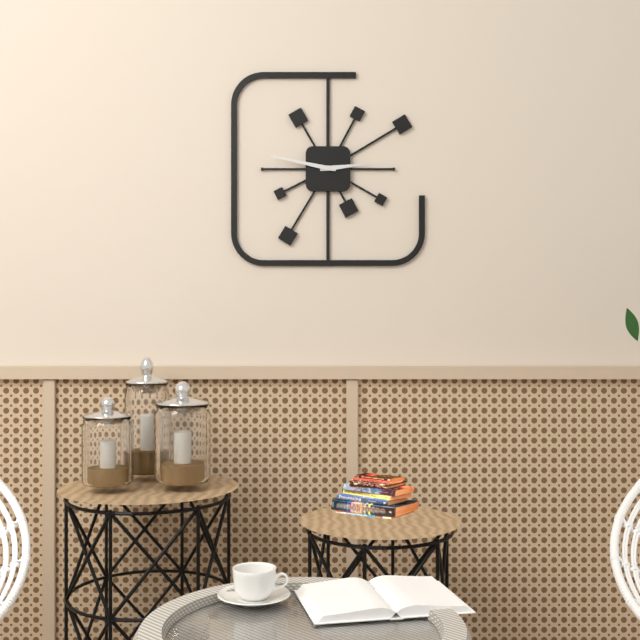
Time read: 2:47
